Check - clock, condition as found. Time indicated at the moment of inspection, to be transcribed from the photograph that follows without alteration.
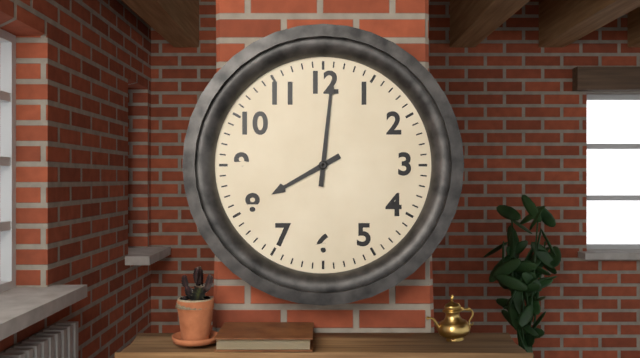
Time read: 8:01
